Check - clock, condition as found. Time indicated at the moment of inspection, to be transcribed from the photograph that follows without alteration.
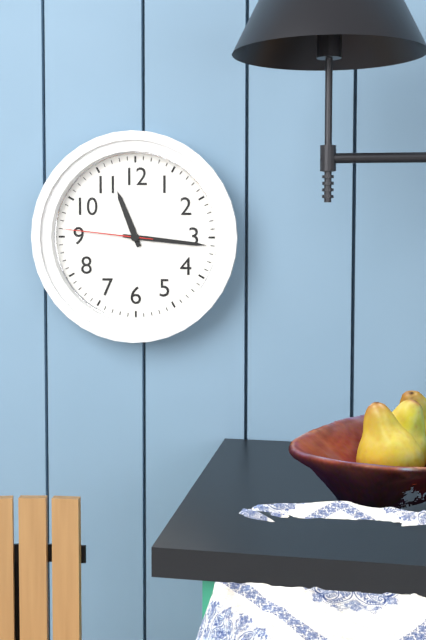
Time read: 11:16:46
